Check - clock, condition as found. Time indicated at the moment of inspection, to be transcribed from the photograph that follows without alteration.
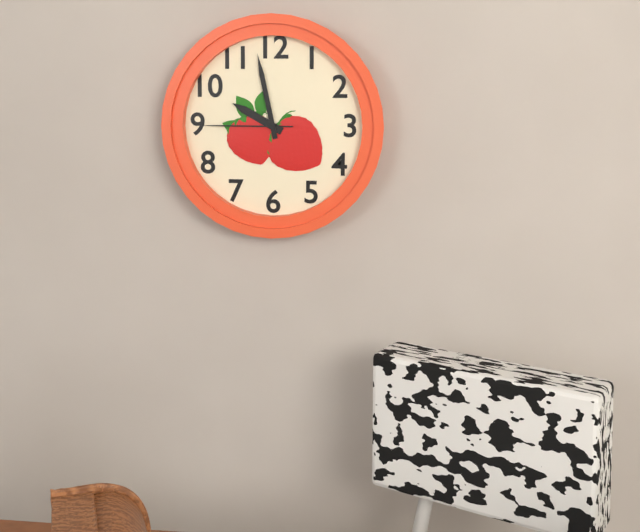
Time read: 9:58:45
